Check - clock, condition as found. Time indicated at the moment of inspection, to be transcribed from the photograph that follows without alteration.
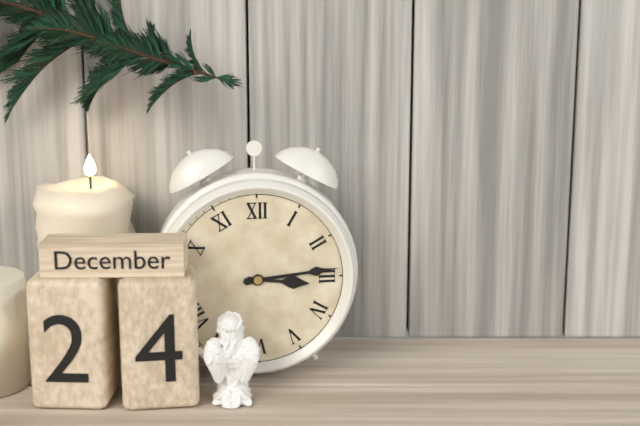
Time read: 3:14
